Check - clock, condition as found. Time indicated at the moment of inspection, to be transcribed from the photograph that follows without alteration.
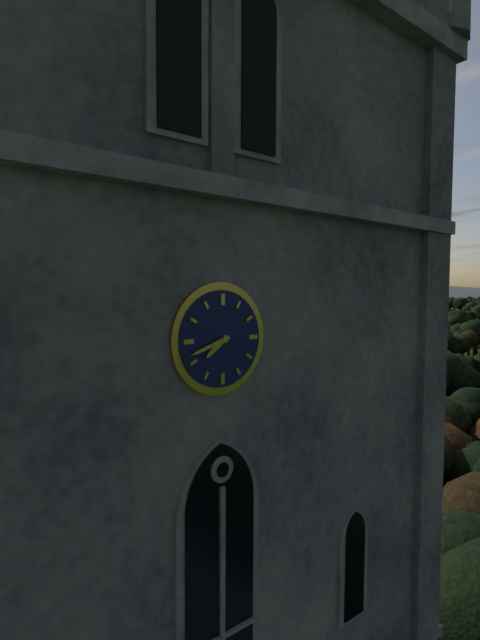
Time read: 7:42
